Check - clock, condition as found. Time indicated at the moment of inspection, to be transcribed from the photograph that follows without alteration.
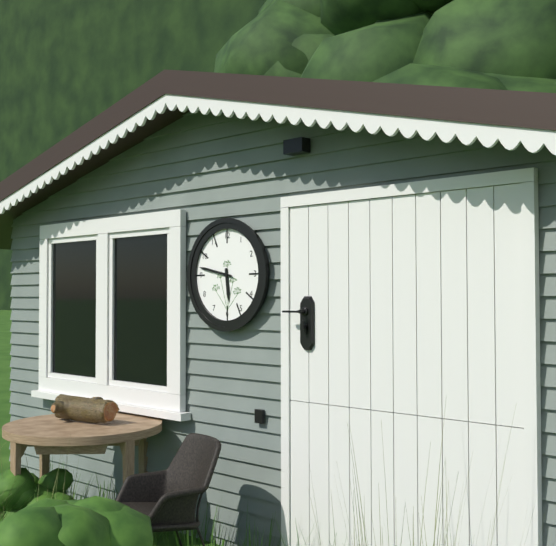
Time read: 5:47
